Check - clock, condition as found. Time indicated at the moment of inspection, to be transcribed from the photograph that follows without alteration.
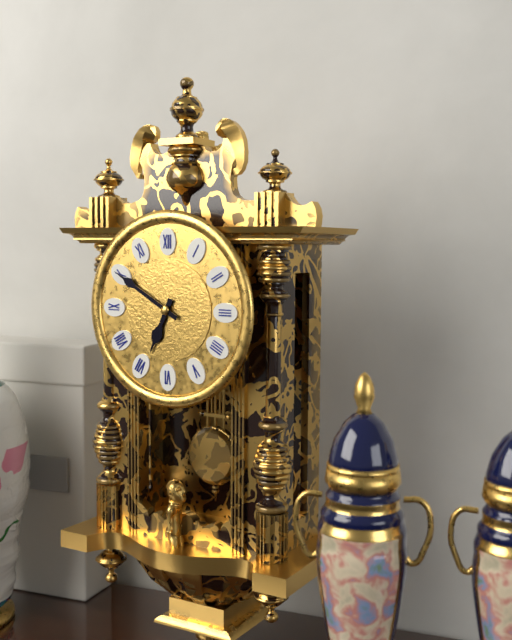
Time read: 6:50
